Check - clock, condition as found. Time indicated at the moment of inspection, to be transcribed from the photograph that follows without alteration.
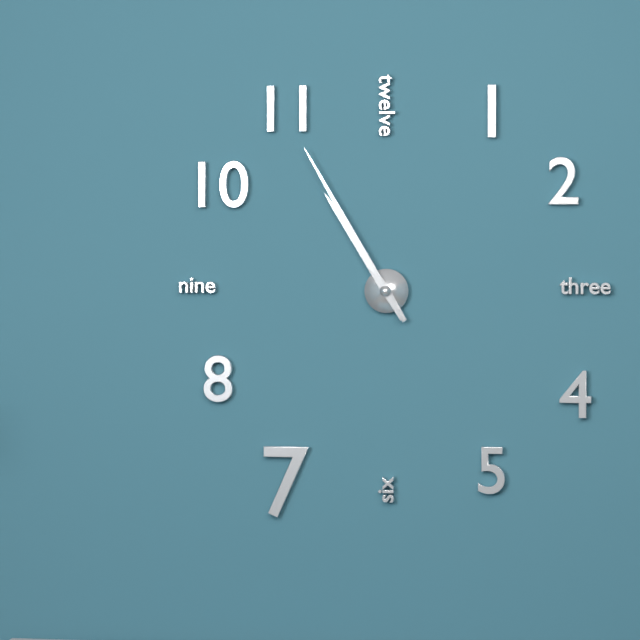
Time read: 10:55
